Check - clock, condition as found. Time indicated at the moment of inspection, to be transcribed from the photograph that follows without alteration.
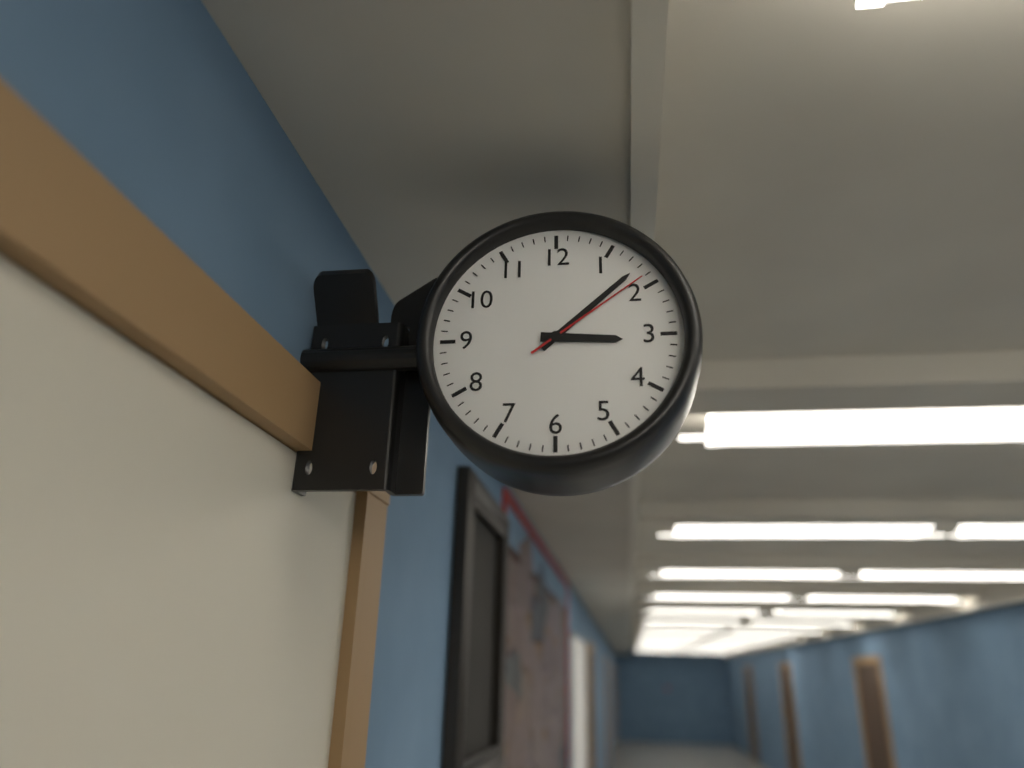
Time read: 3:08:09
